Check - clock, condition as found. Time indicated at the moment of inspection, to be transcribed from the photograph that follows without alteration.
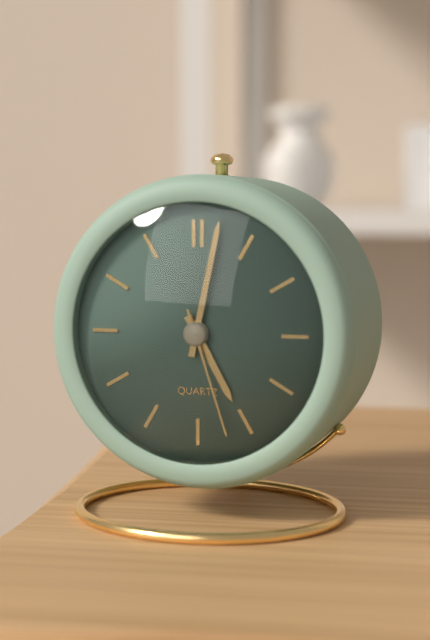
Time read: 5:02:27
